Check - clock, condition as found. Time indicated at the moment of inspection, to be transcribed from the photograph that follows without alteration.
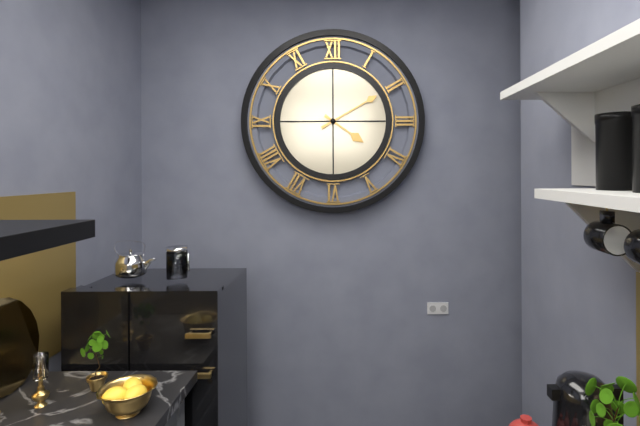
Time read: 4:10
